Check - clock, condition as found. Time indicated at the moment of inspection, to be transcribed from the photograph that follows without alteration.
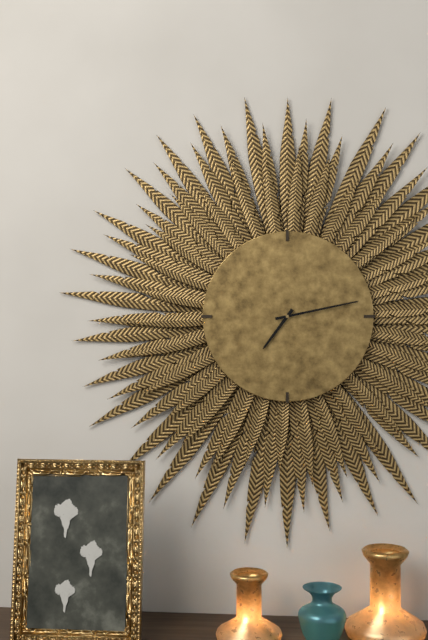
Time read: 7:13
